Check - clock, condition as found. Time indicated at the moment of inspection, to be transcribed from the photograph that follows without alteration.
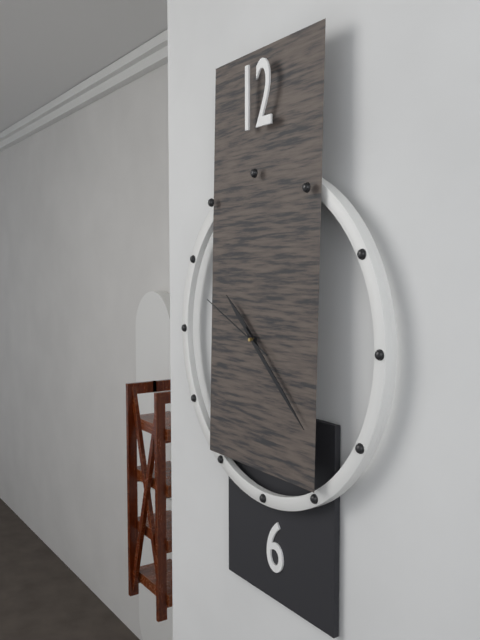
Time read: 10:22:49
